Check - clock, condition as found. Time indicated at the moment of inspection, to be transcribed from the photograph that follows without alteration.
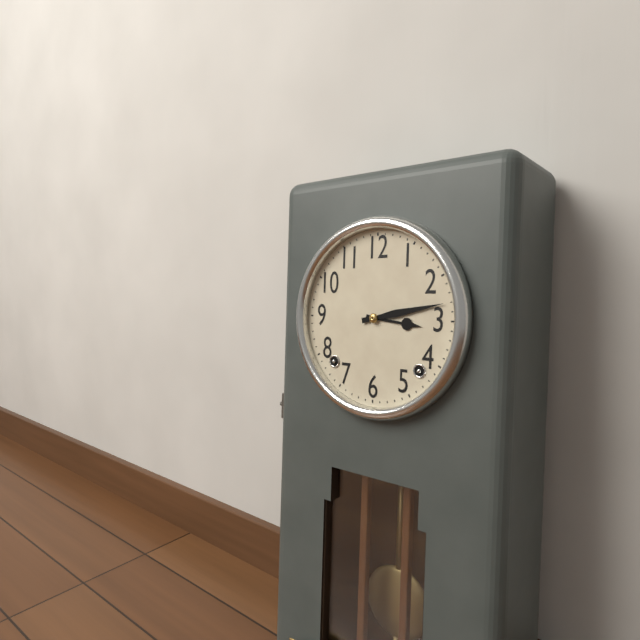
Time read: 3:13
